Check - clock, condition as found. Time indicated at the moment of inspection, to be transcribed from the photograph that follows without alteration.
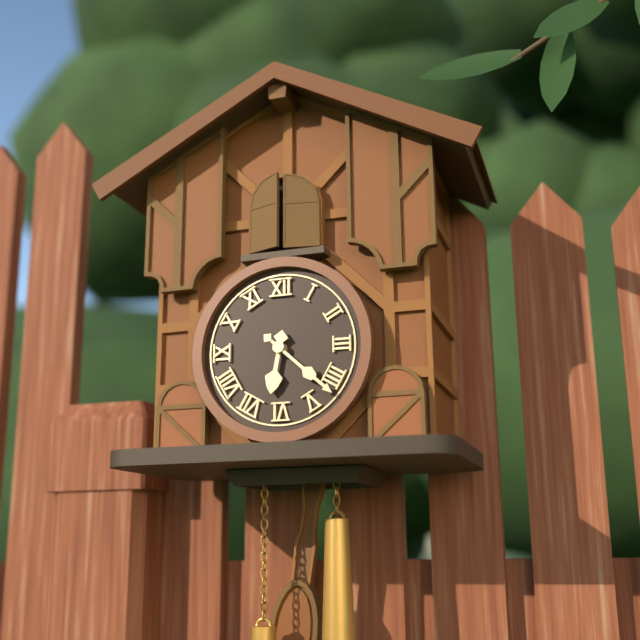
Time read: 6:22
